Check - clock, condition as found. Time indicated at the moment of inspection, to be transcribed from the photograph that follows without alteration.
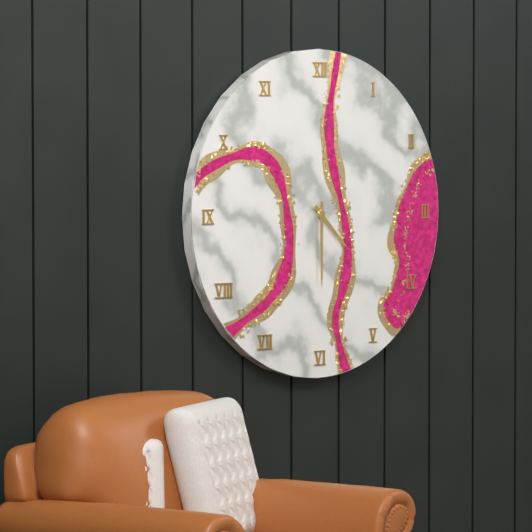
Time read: 4:30
